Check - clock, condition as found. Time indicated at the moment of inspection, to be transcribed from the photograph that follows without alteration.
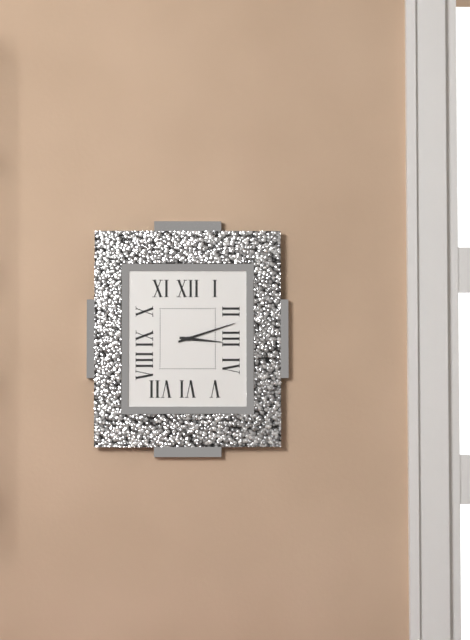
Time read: 3:12
